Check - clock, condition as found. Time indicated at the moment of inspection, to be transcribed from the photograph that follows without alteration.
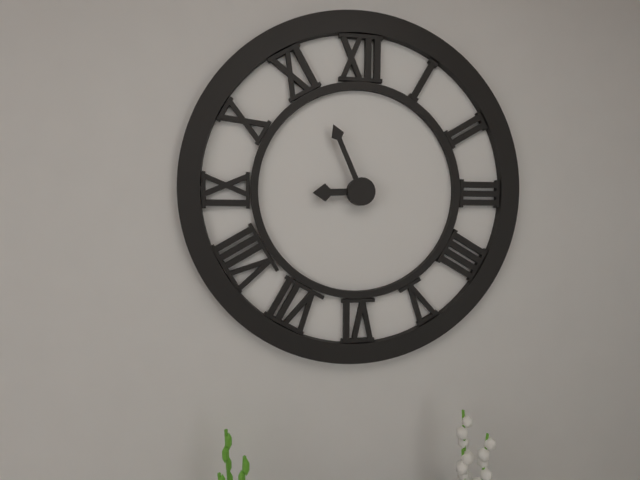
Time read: 8:56
